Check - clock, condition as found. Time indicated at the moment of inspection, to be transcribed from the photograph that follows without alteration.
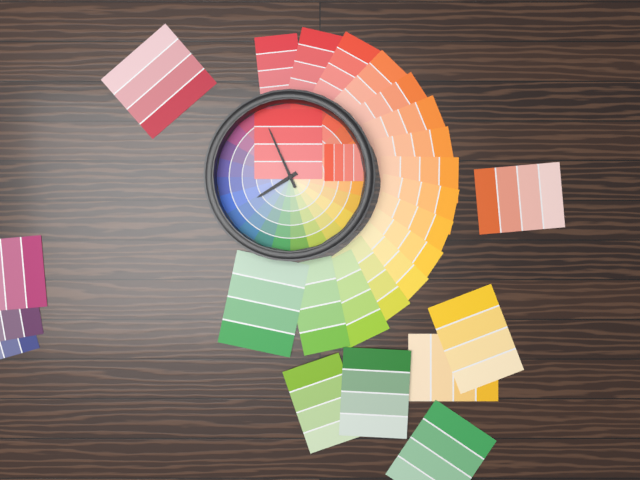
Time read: 7:56
